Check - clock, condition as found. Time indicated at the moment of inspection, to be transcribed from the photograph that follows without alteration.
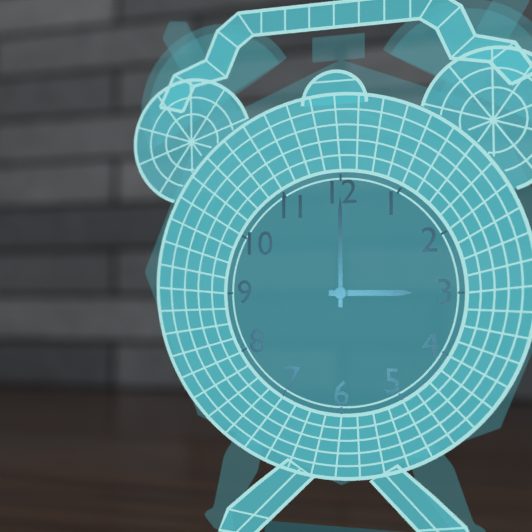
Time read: 3:00
